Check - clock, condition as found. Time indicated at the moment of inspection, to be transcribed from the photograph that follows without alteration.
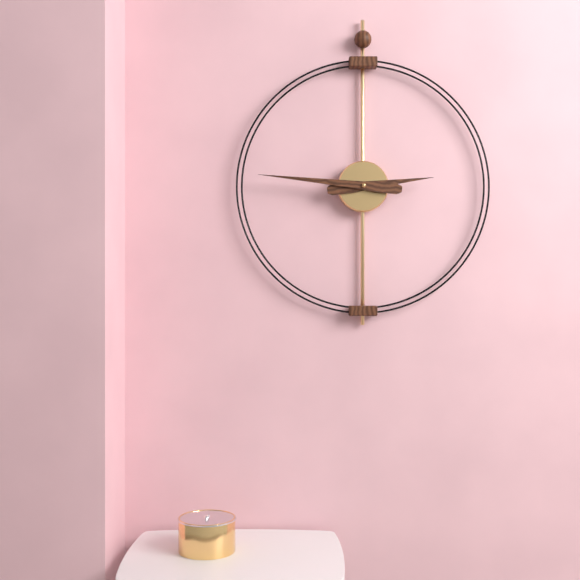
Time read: 2:46
